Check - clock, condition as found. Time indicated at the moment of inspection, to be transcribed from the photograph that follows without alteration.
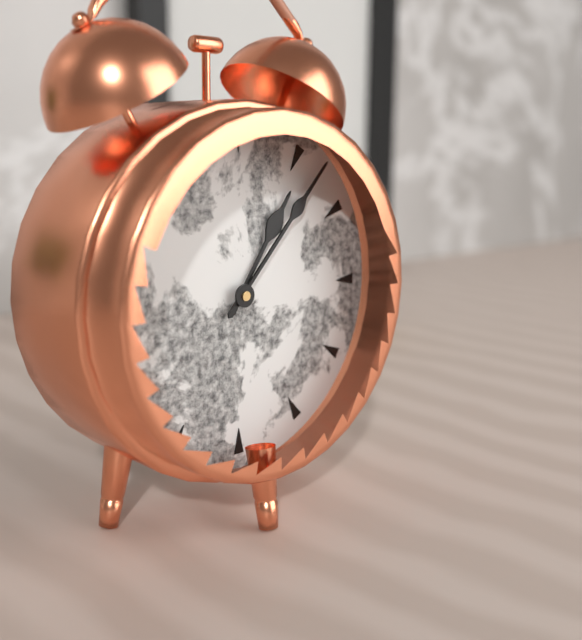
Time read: 1:07
